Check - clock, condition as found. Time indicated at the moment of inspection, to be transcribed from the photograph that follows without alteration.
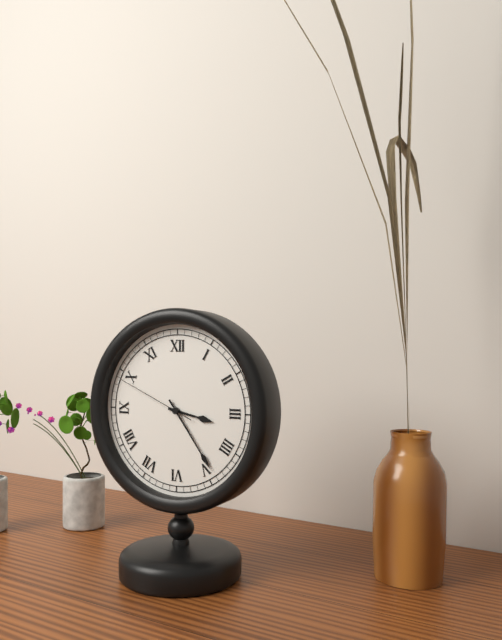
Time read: 3:24:49
